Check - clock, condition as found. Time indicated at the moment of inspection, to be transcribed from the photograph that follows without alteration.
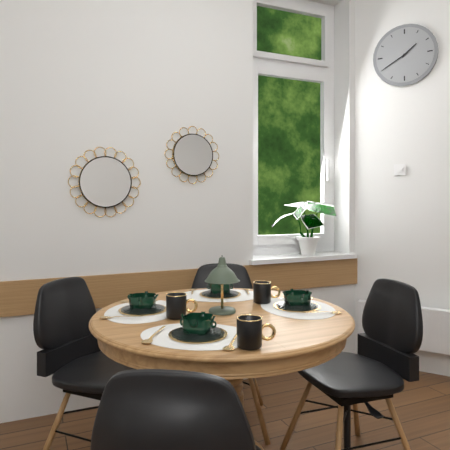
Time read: 1:40
